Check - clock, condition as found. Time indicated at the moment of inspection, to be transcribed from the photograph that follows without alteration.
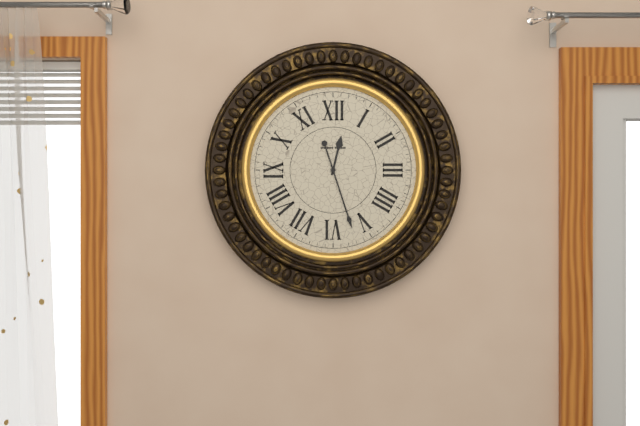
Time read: 12:27
